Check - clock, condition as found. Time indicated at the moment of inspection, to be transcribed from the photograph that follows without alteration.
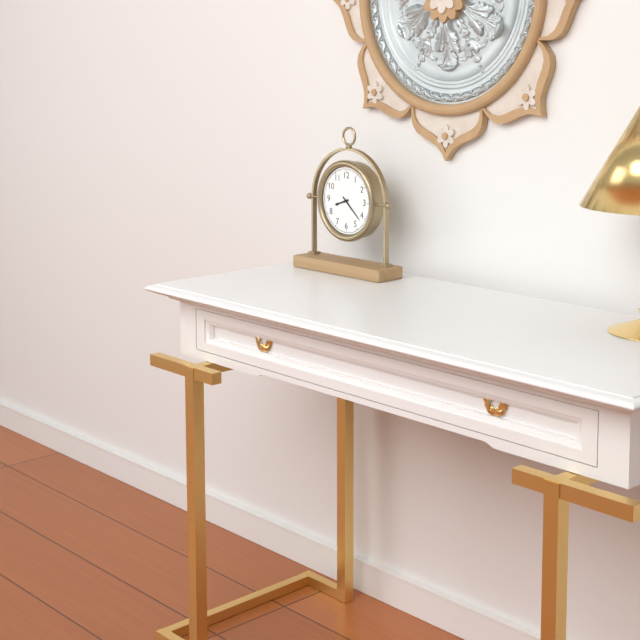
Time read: 8:22
